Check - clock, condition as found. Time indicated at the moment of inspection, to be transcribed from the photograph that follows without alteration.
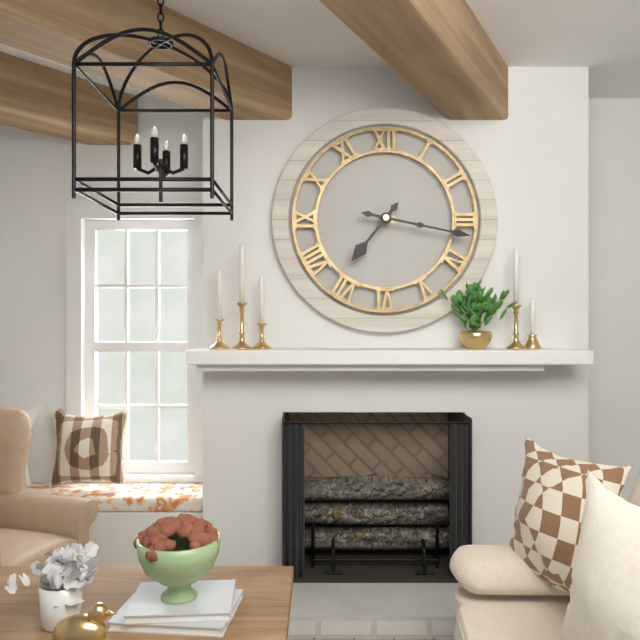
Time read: 7:17
